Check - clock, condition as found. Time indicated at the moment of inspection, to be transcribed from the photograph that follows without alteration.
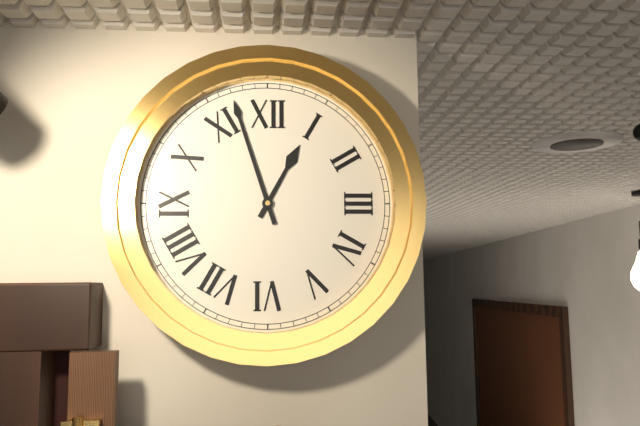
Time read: 12:57
